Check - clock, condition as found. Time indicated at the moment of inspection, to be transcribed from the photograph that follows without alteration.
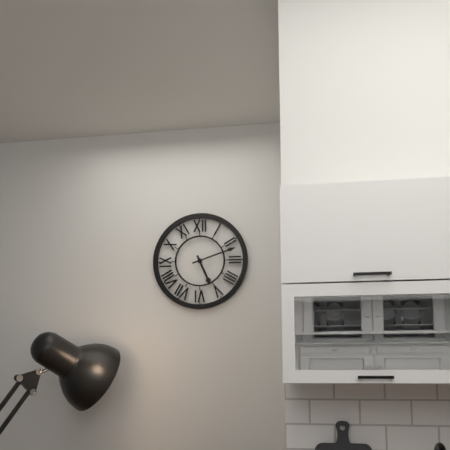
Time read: 5:12
